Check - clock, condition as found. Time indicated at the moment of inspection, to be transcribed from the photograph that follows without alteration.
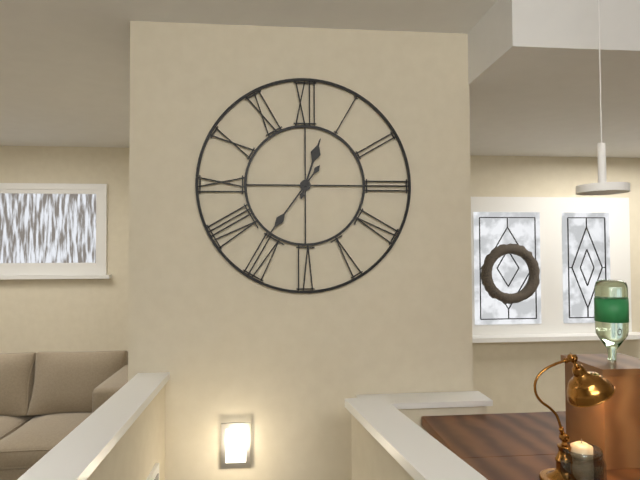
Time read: 12:36
